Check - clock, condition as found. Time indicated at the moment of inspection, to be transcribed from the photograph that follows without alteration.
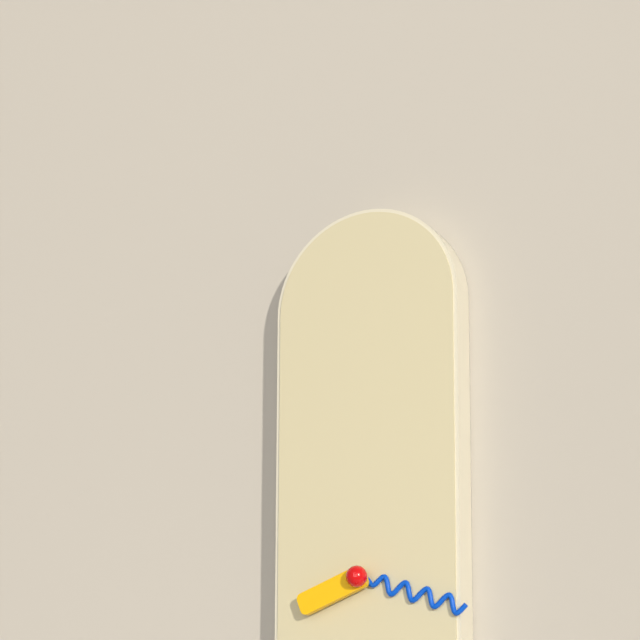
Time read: 8:18
